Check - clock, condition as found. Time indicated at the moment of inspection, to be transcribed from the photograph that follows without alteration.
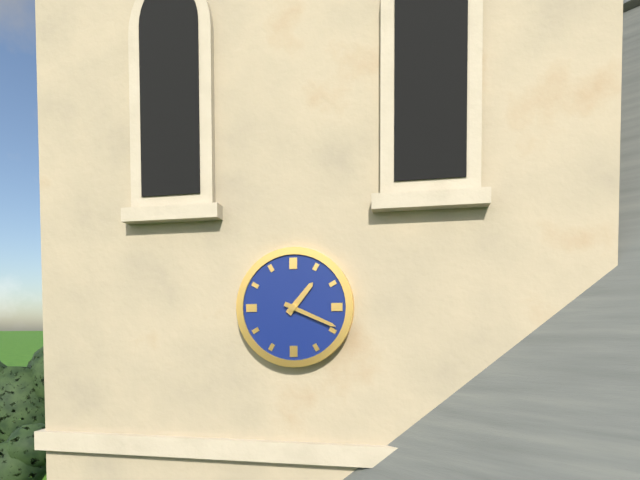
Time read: 1:19
